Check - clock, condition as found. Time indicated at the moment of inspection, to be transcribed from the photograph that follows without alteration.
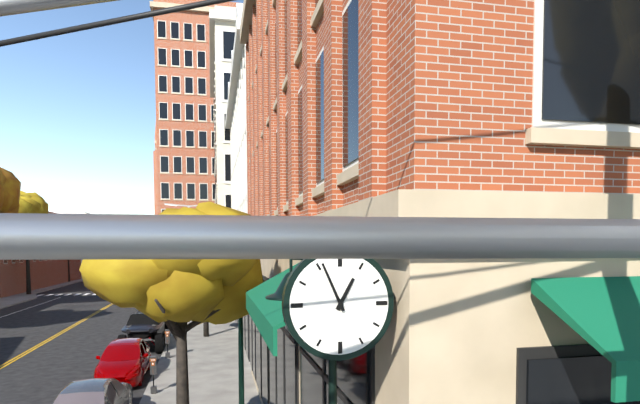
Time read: 12:56
